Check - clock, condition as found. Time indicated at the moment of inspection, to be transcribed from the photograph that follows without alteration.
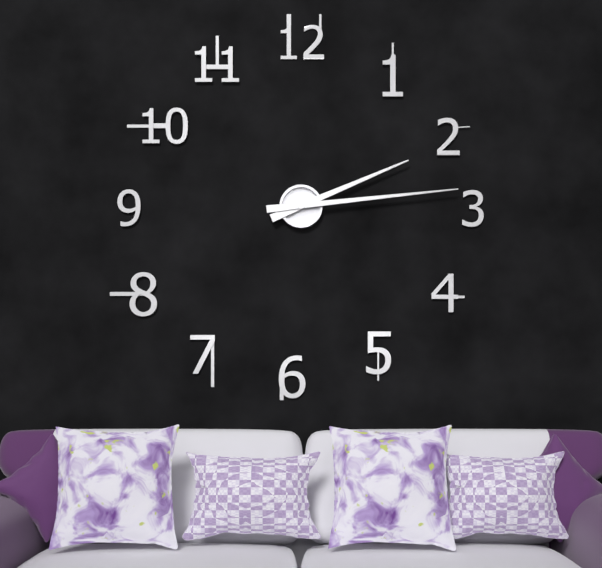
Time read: 2:14
